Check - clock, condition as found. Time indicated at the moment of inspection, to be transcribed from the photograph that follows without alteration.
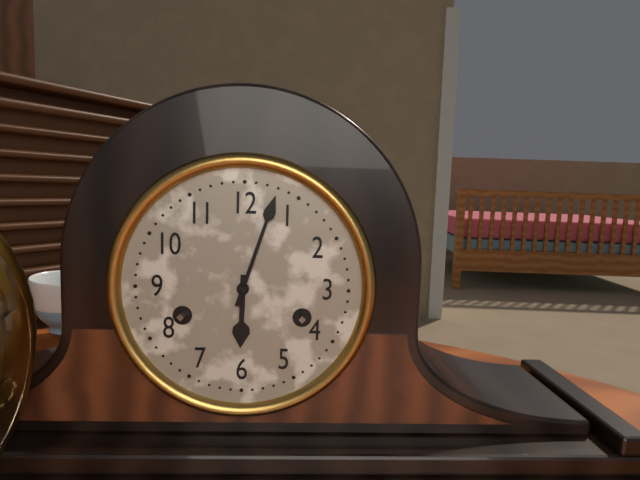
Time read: 6:03
